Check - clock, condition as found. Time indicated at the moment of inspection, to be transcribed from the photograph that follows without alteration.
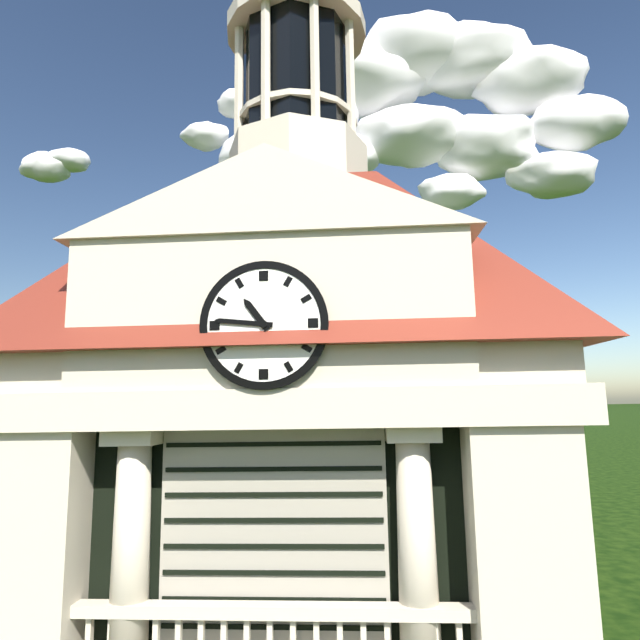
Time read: 10:46
